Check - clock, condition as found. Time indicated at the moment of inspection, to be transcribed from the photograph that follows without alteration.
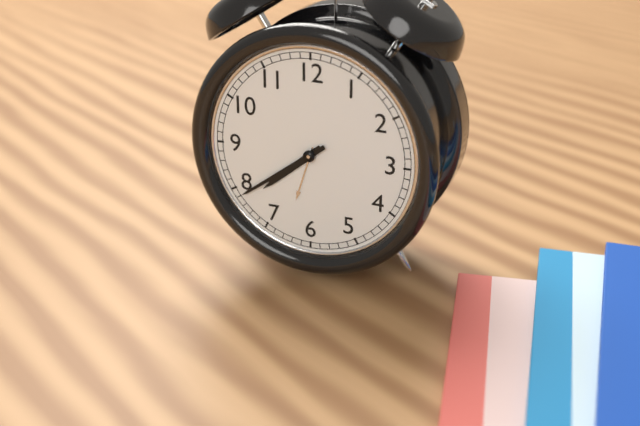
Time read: 7:39
